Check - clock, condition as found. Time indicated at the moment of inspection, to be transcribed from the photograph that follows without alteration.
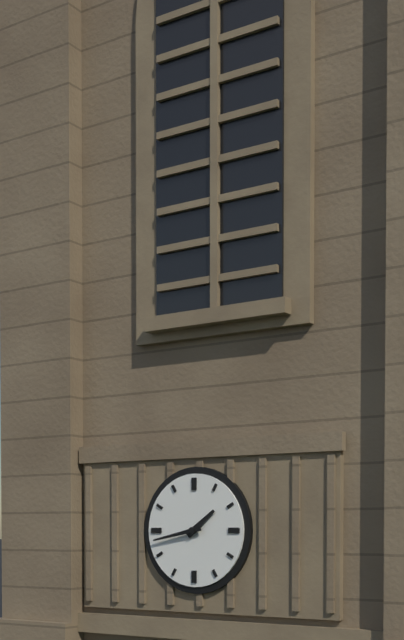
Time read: 1:43
